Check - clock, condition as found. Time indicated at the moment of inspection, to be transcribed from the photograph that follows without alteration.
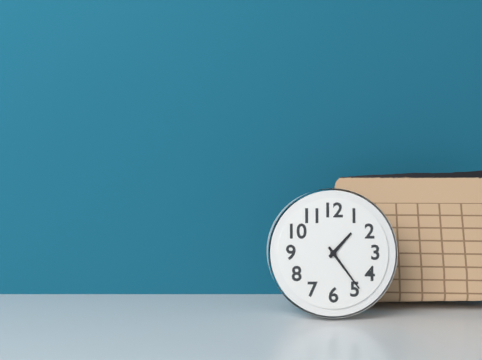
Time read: 1:24
